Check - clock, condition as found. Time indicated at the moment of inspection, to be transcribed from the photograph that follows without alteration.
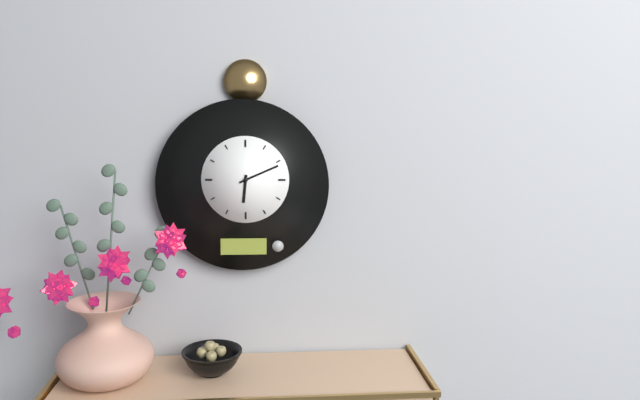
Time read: 6:11
